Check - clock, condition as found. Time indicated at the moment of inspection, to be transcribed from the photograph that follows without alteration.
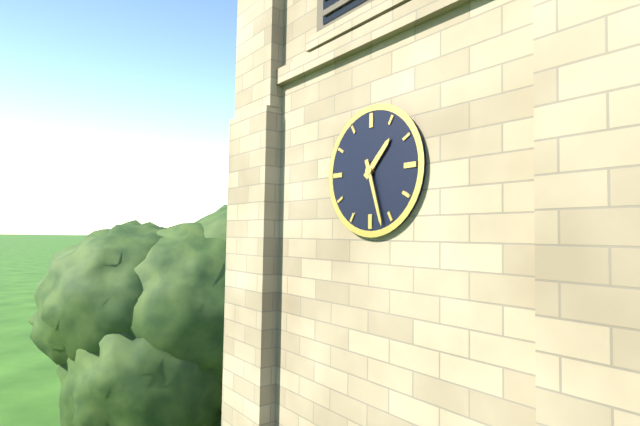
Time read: 1:27
